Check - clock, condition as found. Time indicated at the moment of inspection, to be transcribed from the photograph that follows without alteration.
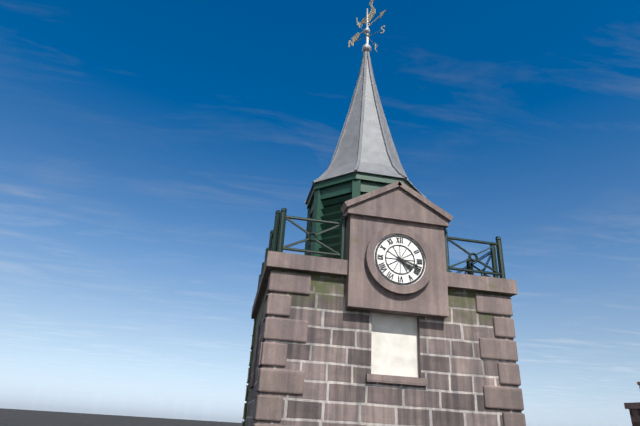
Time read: 4:18
